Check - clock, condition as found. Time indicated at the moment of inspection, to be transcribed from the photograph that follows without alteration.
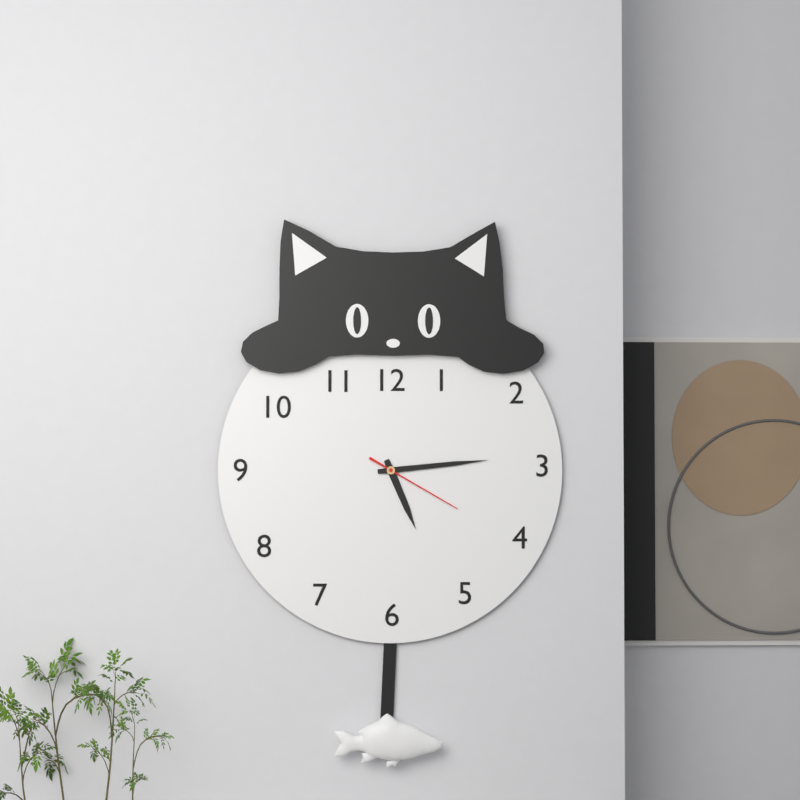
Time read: 5:14:20
